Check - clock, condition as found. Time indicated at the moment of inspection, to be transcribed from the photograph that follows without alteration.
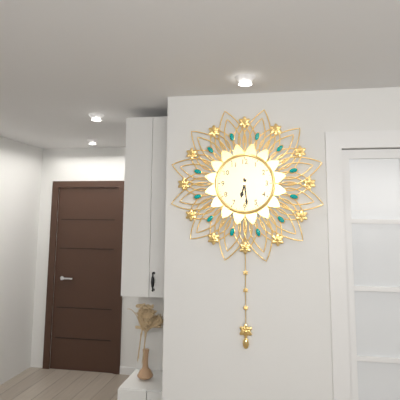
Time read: 6:29
